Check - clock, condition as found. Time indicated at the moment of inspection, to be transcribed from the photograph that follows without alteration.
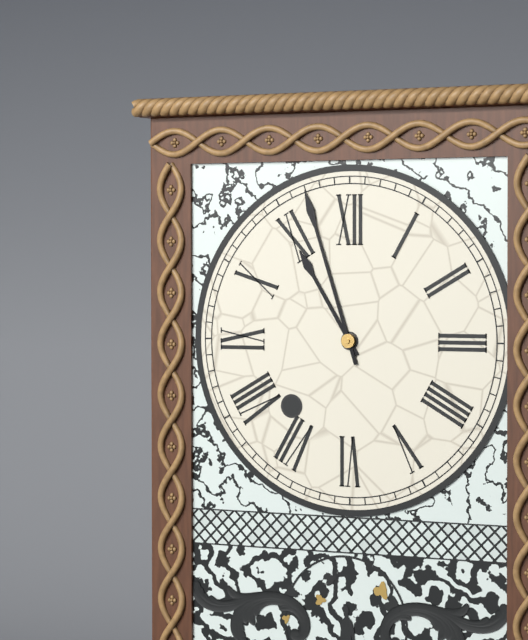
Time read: 10:57
